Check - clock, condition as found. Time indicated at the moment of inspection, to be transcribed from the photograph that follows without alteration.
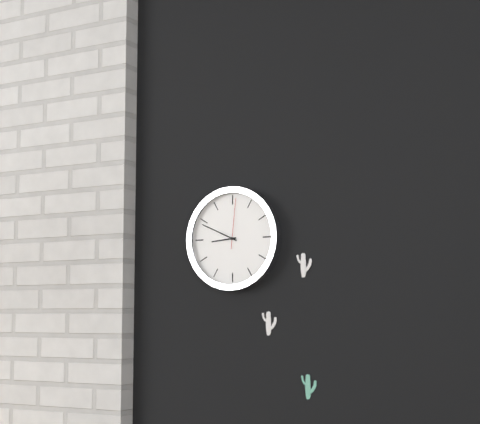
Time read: 8:49:01
